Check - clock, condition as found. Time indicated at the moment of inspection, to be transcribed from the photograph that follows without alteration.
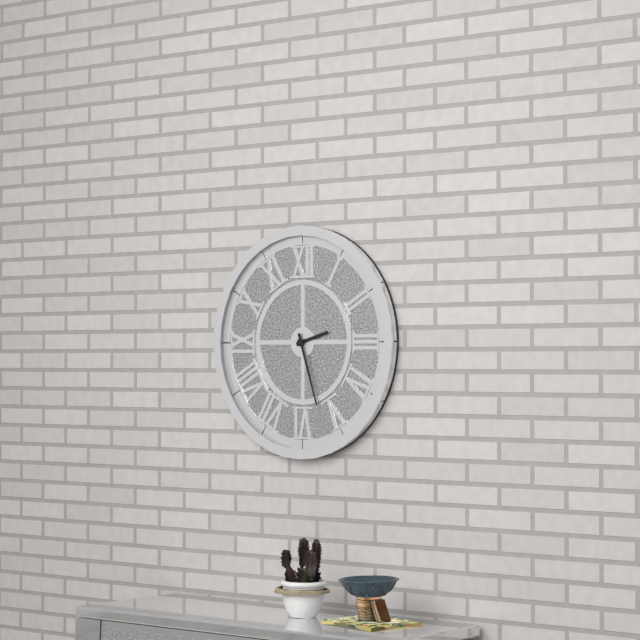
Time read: 2:27
